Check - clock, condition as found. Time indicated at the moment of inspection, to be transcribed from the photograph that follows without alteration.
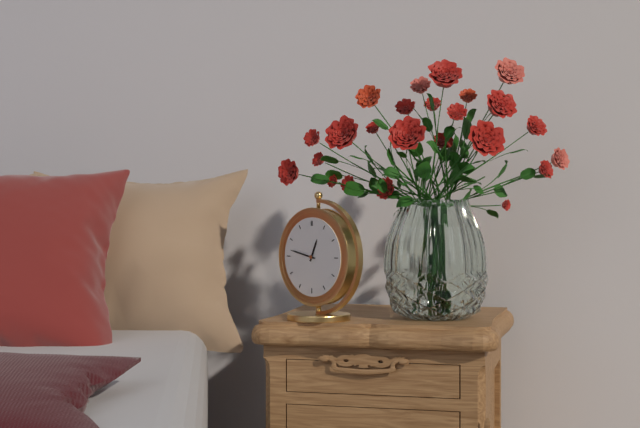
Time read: 12:47
